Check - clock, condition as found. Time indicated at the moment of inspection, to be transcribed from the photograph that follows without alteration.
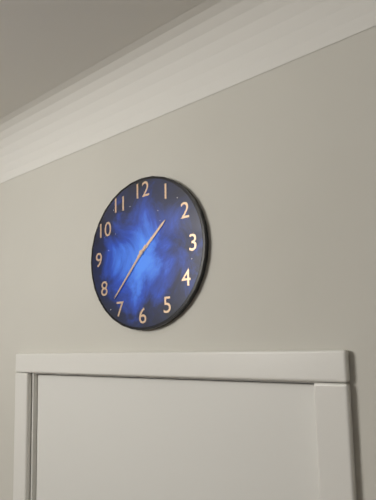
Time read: 1:37
